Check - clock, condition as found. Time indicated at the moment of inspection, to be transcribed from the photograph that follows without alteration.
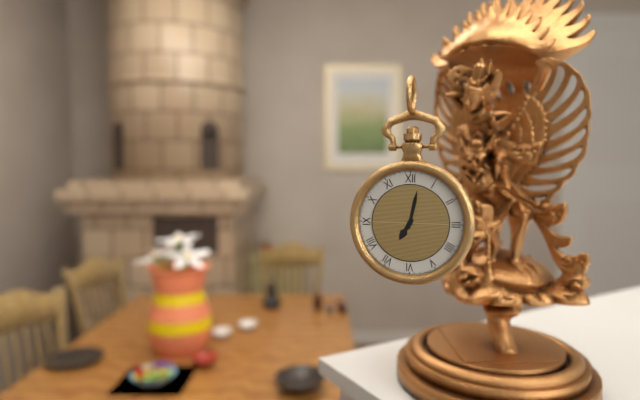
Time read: 7:02
